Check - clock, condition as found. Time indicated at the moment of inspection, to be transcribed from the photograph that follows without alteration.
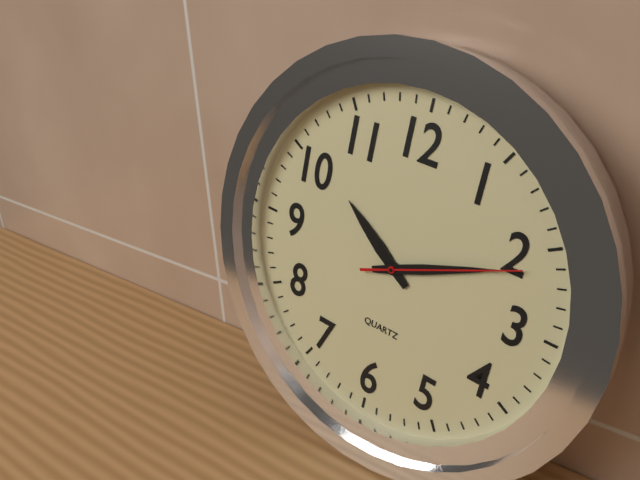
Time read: 10:11:11
